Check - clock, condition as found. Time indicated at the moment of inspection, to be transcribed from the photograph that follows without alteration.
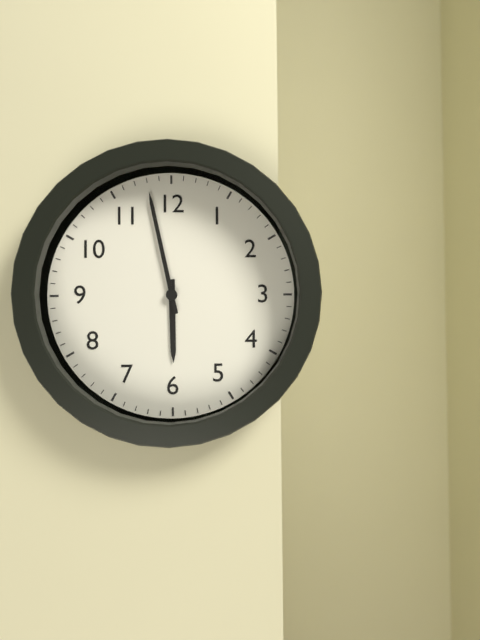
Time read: 5:58
